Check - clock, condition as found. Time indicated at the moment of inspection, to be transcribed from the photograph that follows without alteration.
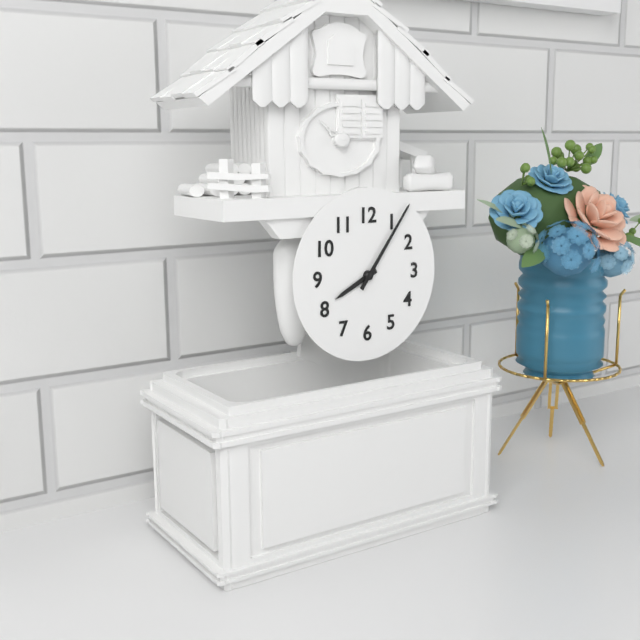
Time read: 8:06
